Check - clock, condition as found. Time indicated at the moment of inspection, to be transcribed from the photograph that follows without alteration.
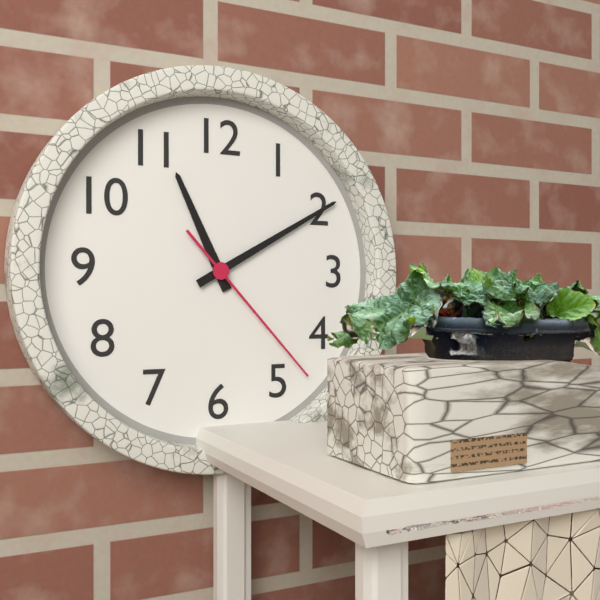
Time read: 11:10:23
